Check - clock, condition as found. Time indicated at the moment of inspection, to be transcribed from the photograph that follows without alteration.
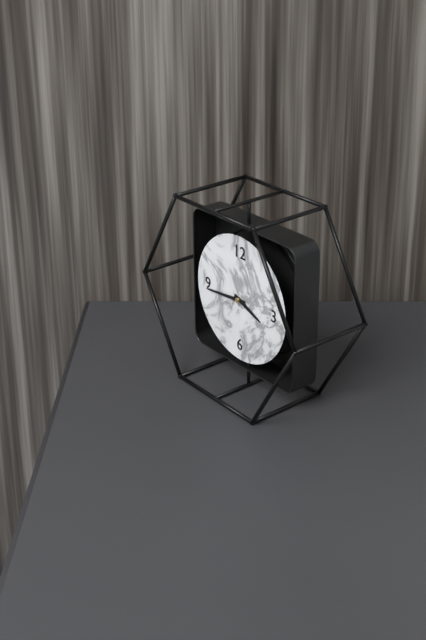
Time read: 3:44
